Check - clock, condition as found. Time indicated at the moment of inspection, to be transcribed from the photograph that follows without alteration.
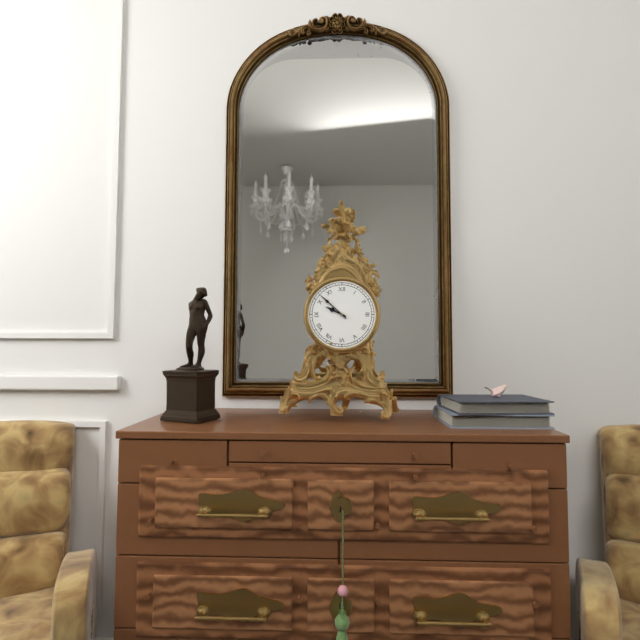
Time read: 9:52
